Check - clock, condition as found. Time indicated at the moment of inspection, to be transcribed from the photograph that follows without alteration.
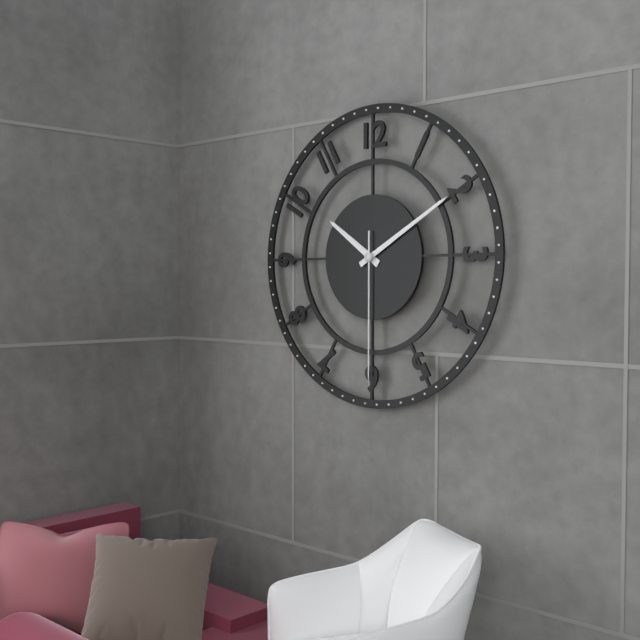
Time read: 10:10:30
